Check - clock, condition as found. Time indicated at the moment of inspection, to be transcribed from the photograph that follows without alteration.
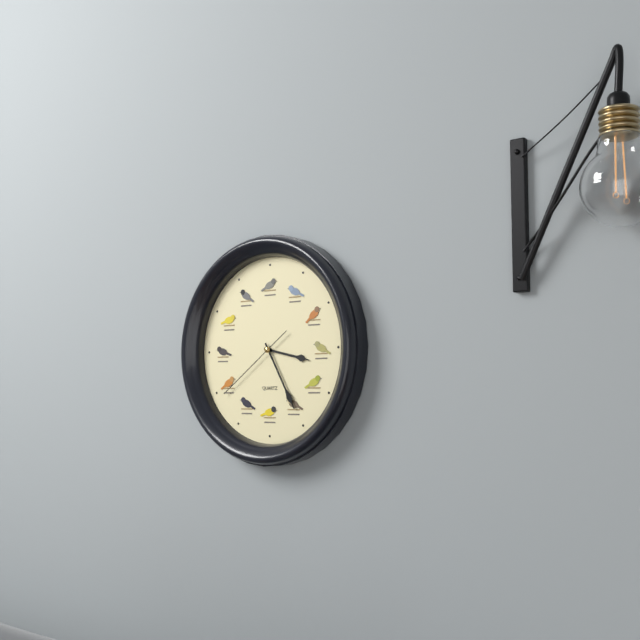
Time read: 3:25:39
